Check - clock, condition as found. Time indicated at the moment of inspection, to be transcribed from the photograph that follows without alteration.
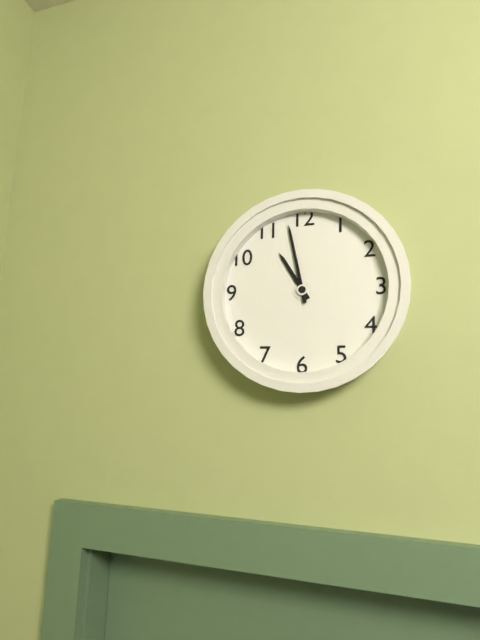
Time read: 10:58
